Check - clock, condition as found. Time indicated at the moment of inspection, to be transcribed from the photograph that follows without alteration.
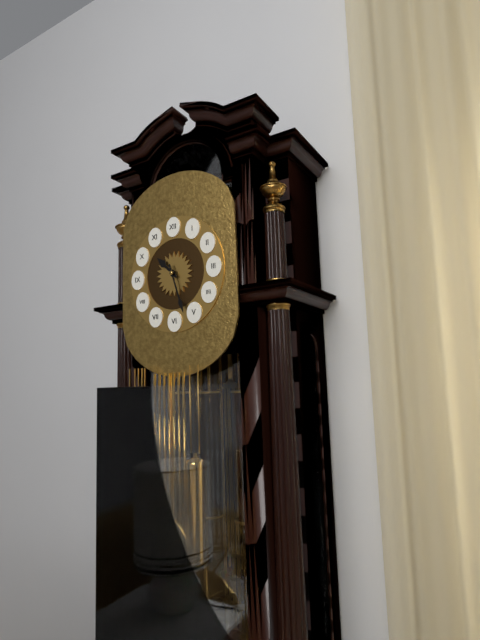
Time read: 10:27
